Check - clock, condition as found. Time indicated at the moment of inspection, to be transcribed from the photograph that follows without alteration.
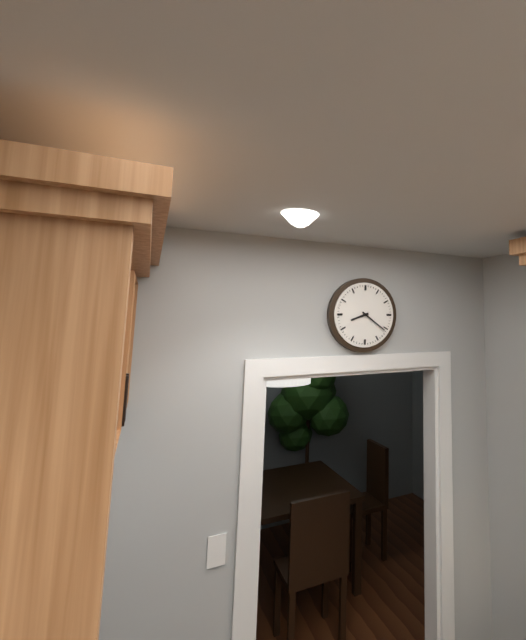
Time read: 8:21
